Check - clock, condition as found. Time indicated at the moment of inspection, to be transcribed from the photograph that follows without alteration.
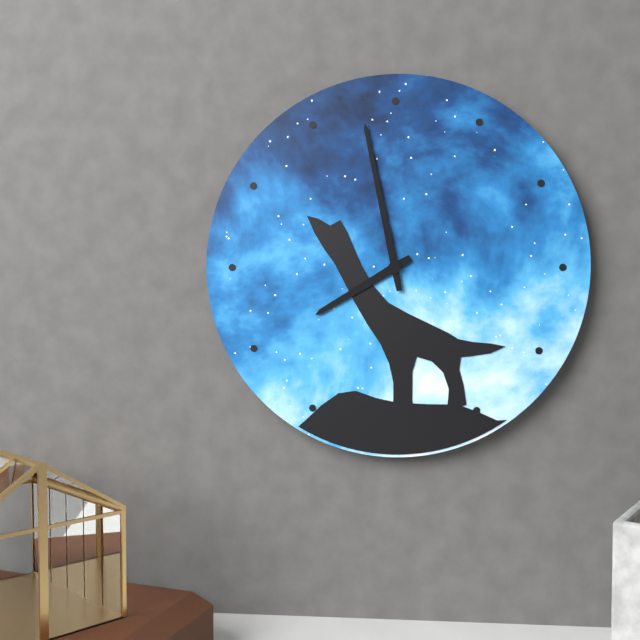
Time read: 7:58
